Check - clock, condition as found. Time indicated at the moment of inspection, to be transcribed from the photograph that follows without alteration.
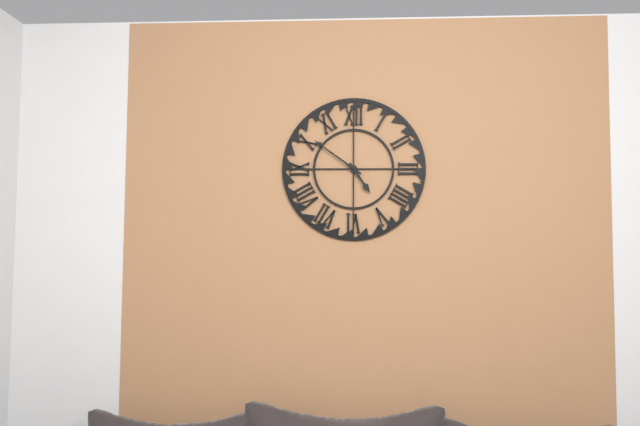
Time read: 4:51
